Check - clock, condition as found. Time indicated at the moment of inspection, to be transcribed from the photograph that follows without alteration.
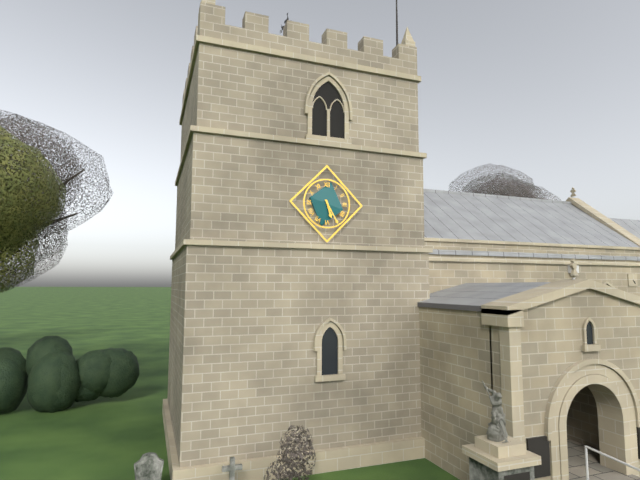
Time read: 5:25
